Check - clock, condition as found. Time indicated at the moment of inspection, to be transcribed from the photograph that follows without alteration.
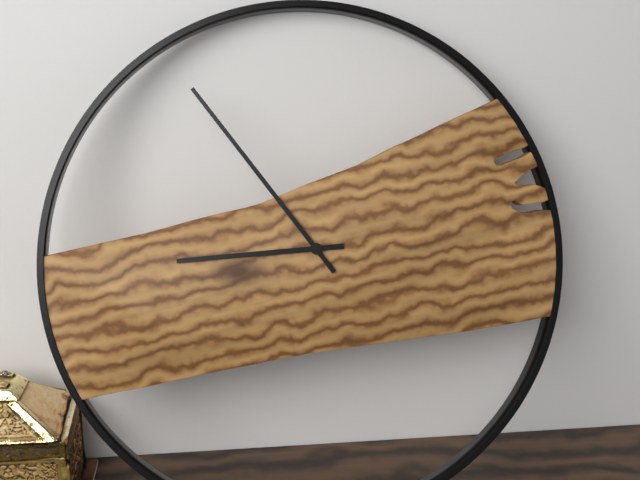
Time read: 8:54
